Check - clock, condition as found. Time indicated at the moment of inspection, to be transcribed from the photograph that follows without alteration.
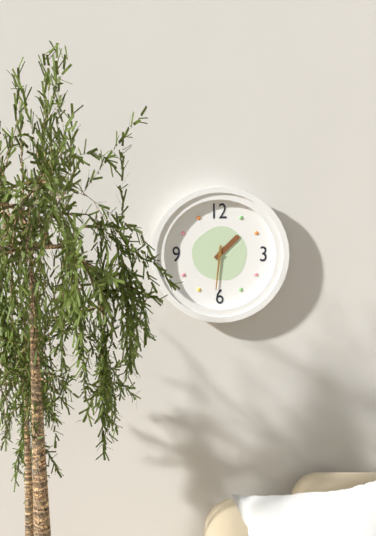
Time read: 1:31
